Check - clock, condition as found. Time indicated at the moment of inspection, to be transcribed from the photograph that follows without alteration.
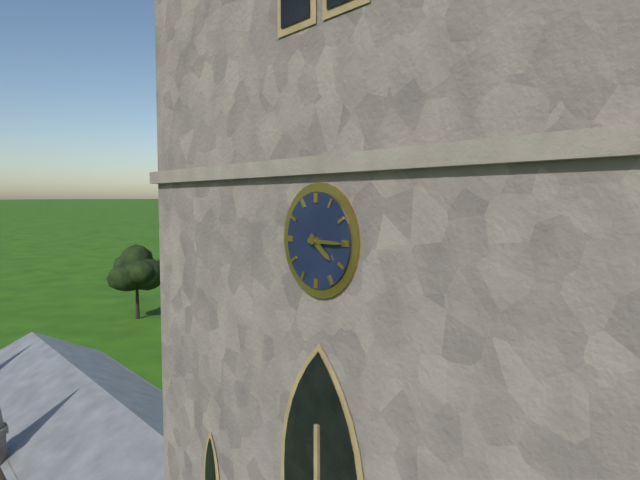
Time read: 4:15
